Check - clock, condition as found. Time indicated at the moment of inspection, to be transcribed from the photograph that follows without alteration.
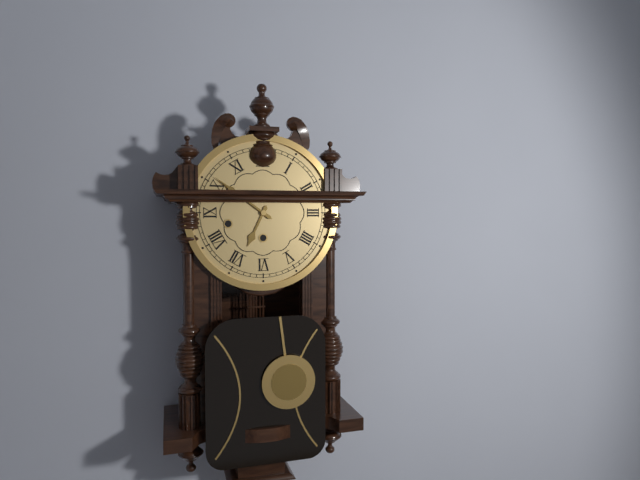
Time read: 6:51
